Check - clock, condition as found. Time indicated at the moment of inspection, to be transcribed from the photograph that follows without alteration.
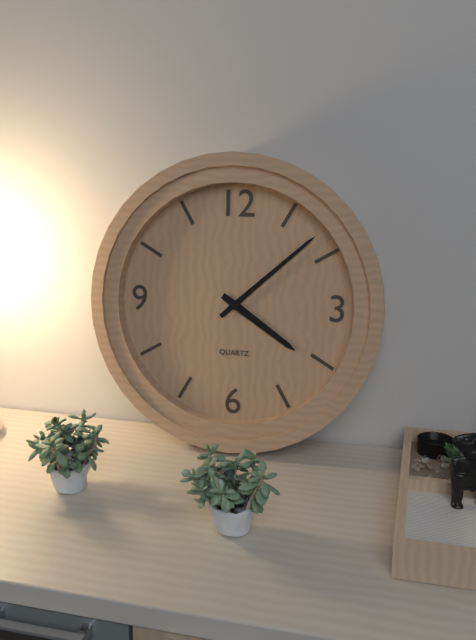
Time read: 4:08
